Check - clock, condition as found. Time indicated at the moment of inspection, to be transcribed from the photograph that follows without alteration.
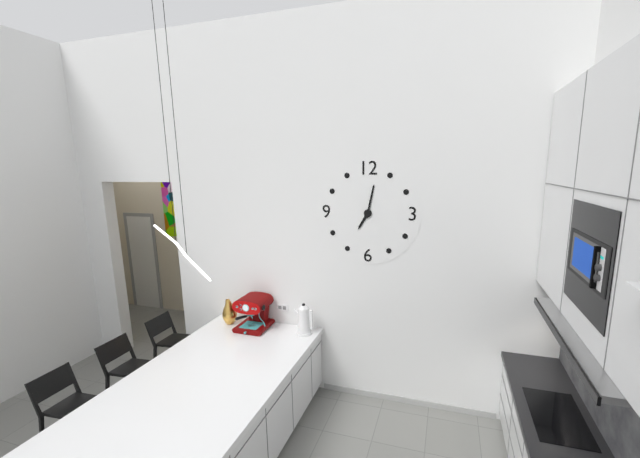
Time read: 7:02
